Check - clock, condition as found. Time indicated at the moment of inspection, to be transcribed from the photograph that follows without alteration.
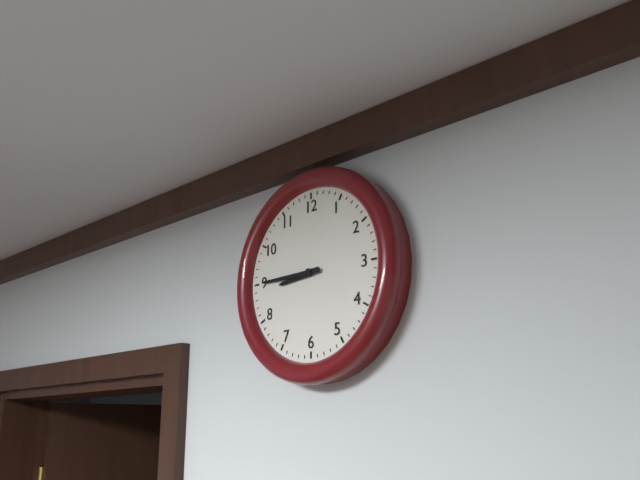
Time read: 8:45
